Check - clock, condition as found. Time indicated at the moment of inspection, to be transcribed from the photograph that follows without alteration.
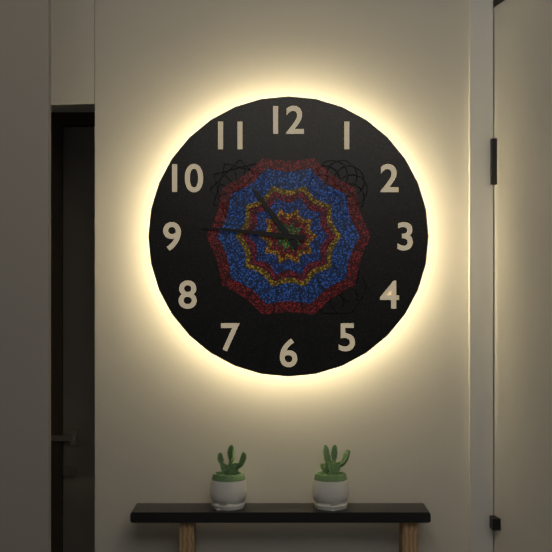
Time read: 10:46
